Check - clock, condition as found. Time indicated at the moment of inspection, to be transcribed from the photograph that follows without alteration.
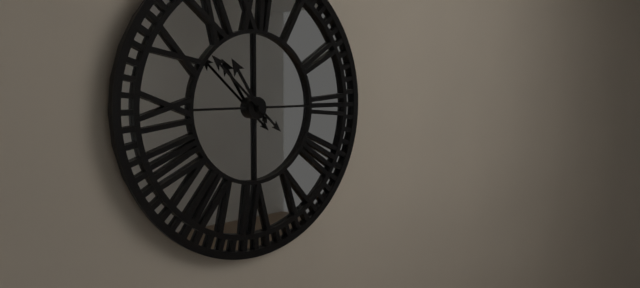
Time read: 10:52
